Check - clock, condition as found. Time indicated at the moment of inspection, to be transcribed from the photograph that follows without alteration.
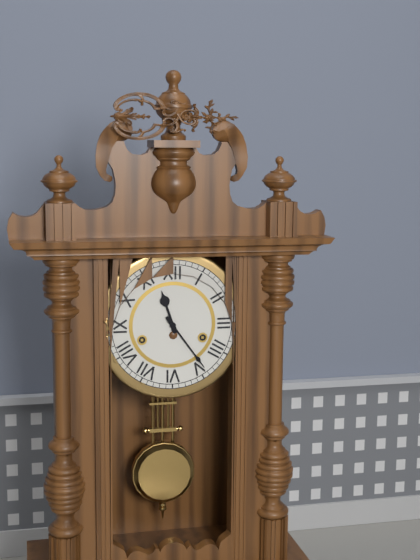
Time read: 11:24
